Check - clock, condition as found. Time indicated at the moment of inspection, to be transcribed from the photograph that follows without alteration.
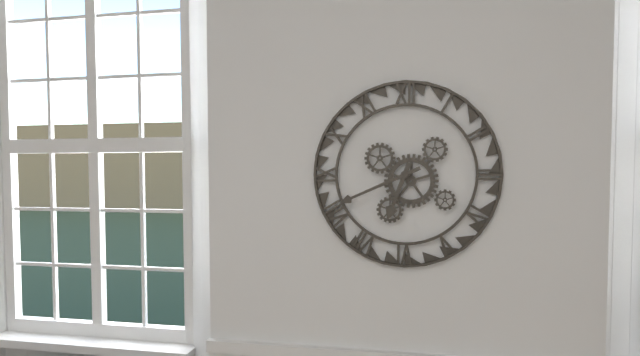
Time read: 6:41
